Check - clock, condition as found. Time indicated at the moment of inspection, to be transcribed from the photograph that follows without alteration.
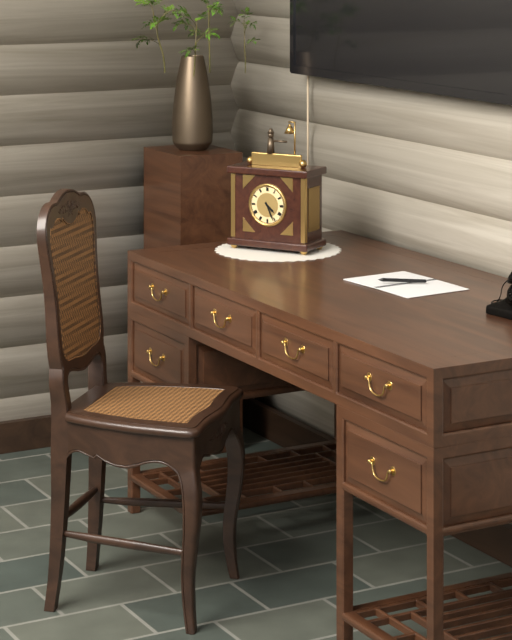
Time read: 4:26
